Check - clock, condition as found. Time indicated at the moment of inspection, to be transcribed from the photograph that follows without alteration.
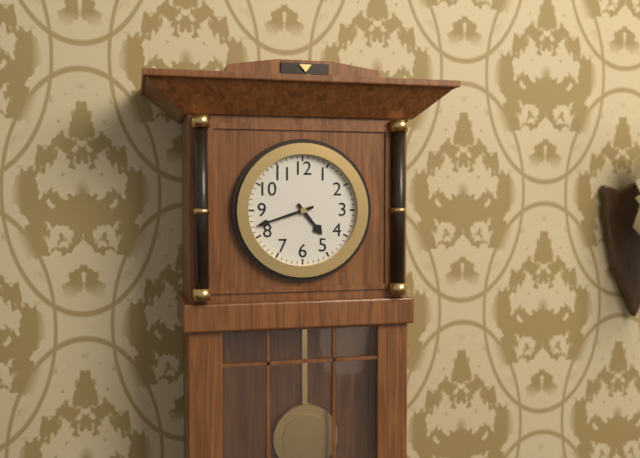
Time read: 4:42
